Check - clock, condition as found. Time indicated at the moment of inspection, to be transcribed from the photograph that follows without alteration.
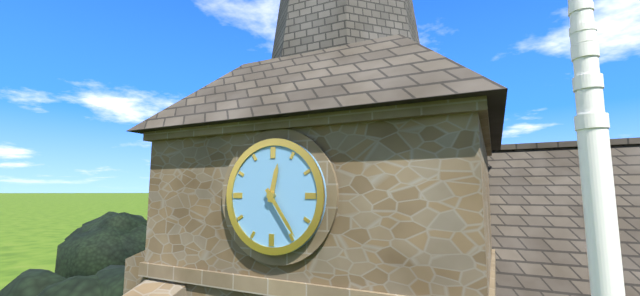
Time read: 12:24
